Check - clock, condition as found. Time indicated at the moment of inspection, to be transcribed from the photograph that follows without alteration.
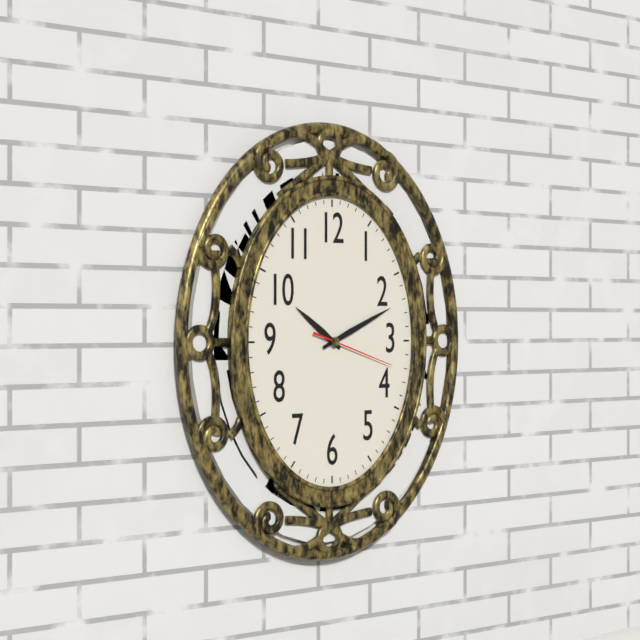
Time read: 10:11:18
